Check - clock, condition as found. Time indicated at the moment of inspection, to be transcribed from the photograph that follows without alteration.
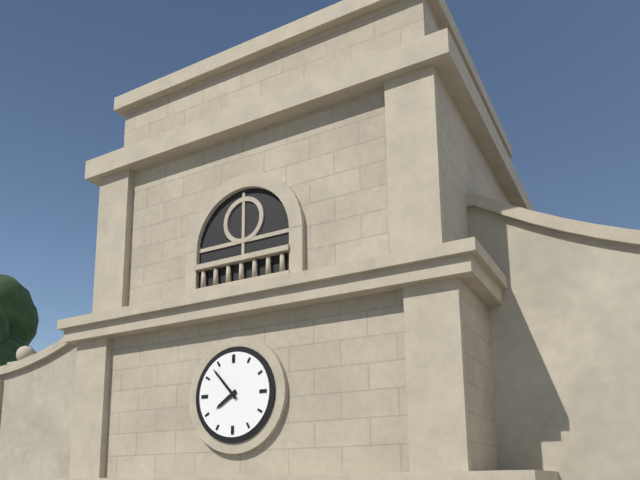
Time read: 7:53
